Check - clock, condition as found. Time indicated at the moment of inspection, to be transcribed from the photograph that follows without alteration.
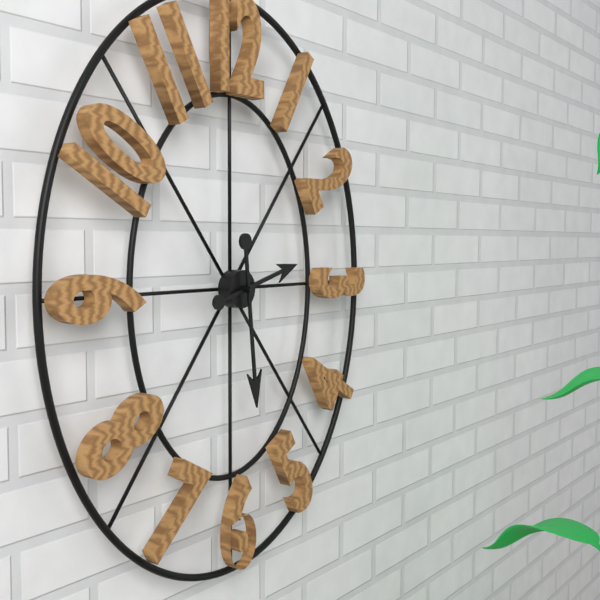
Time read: 2:29
